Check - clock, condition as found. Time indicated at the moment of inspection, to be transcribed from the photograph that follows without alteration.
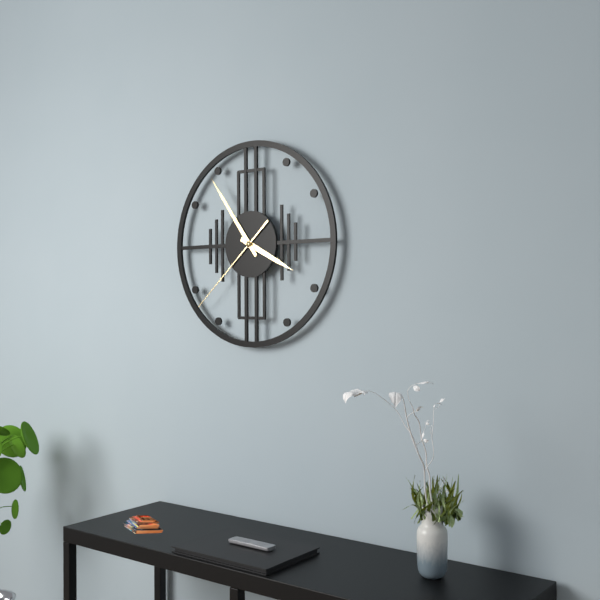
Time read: 3:54:38
